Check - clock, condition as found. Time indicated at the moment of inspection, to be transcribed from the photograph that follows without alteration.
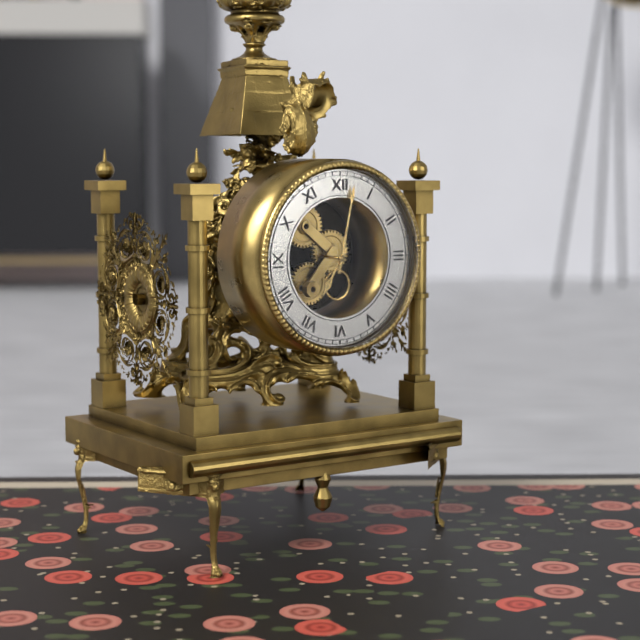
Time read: 7:02
